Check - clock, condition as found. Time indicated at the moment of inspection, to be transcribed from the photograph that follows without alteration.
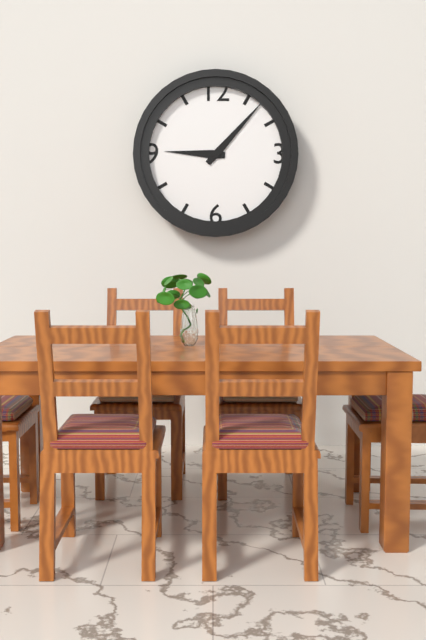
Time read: 9:07
